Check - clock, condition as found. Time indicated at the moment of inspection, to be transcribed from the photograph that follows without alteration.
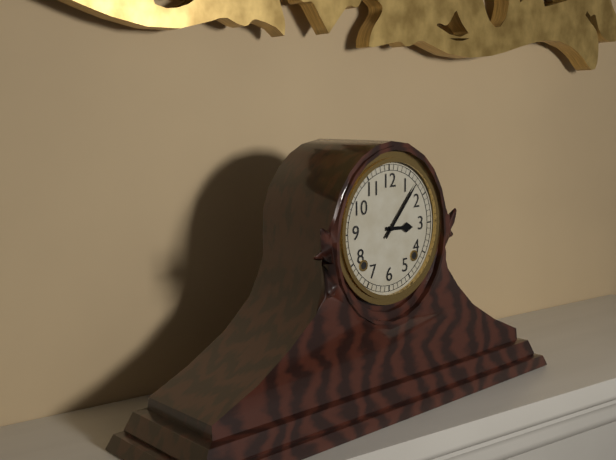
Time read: 3:07
